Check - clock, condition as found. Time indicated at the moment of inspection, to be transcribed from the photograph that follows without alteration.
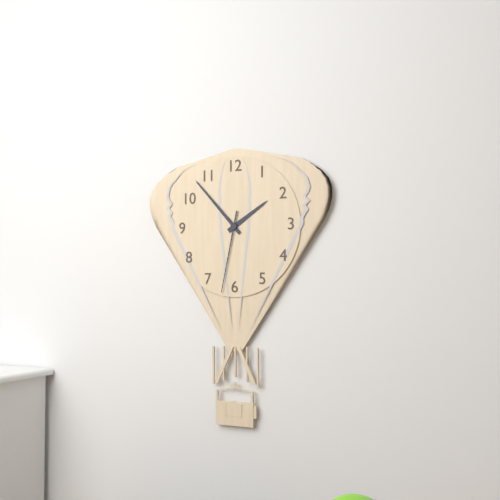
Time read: 1:53:32
